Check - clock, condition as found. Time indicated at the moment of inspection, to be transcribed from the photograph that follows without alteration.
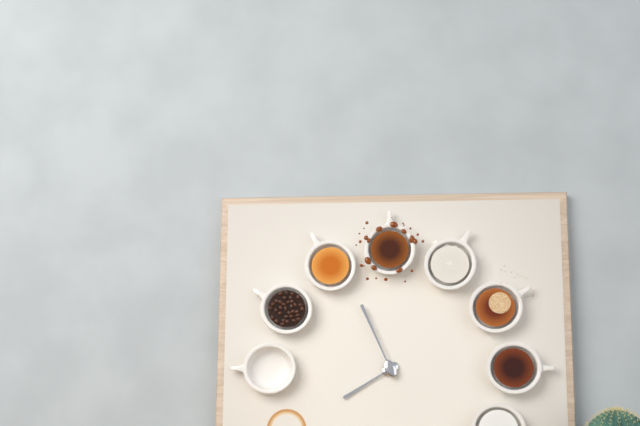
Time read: 7:56
